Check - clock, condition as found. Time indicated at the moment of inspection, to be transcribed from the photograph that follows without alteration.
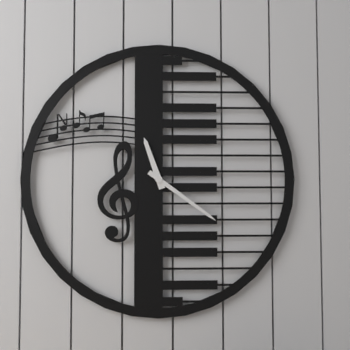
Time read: 11:21
